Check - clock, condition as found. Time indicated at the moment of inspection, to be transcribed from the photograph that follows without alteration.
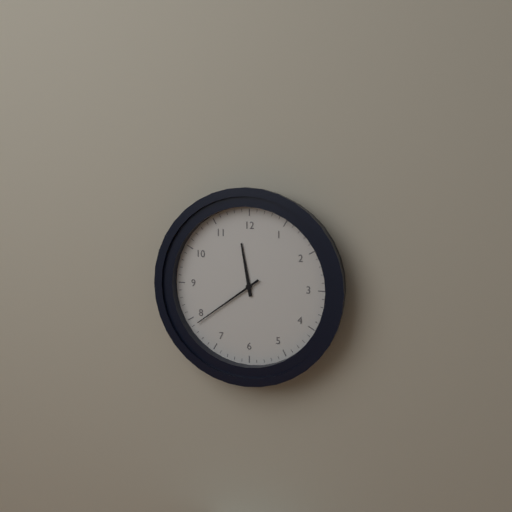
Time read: 11:39
